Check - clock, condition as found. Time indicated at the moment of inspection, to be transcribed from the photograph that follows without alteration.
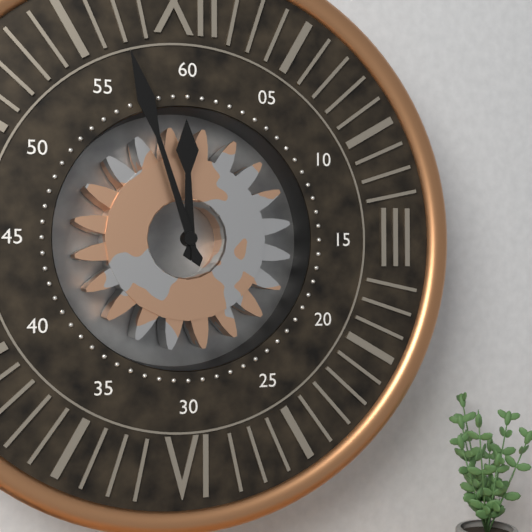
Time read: 11:57
